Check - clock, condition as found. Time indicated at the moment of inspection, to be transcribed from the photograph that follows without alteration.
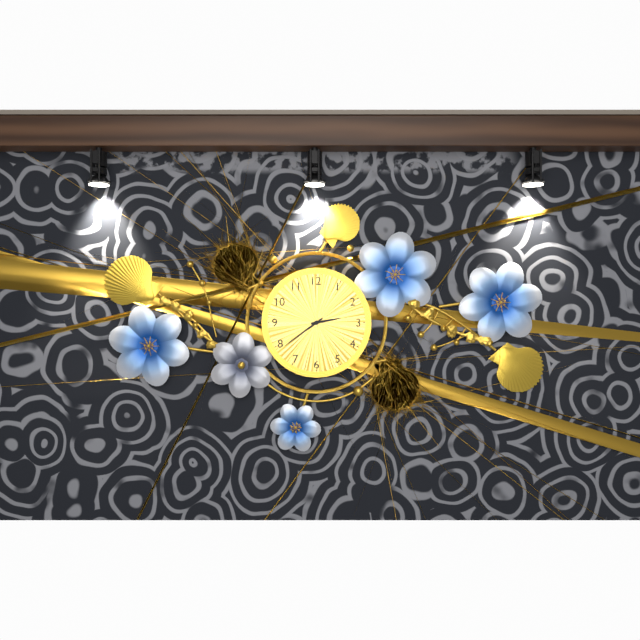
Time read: 2:39
